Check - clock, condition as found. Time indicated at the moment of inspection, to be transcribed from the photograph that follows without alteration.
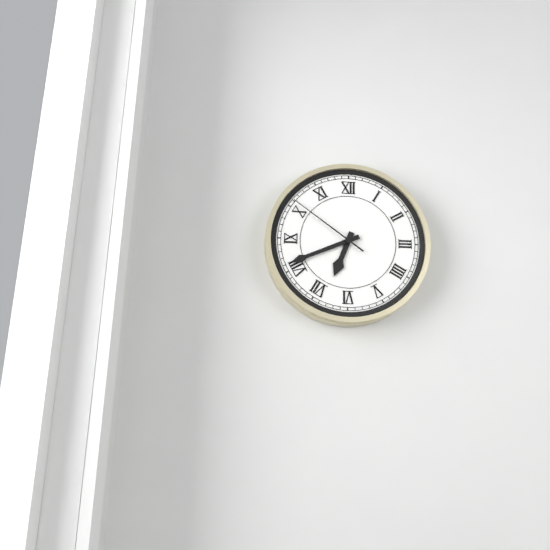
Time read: 6:41:51
